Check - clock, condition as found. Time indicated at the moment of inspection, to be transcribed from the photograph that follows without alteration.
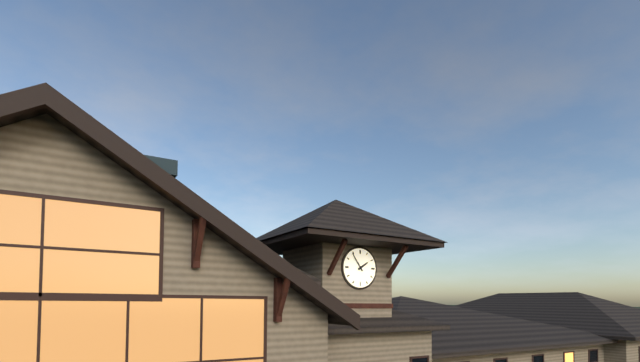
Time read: 1:54
